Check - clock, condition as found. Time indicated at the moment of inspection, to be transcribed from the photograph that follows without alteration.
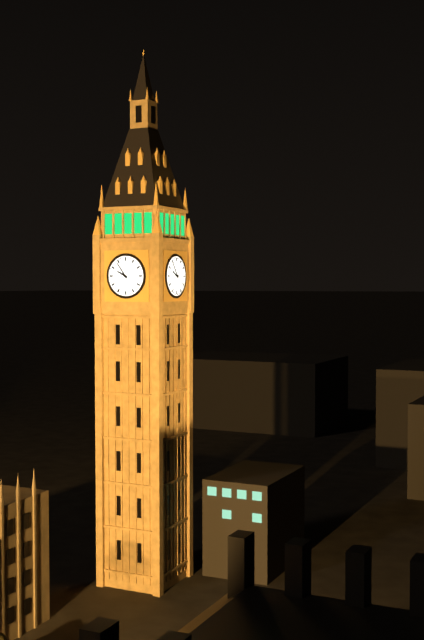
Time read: 9:54
